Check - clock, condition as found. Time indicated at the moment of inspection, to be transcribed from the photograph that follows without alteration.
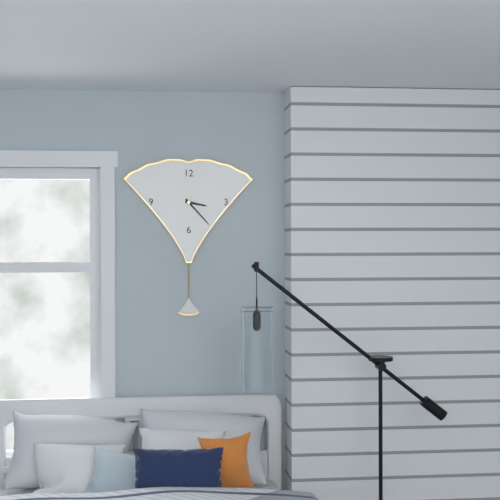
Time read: 3:23
